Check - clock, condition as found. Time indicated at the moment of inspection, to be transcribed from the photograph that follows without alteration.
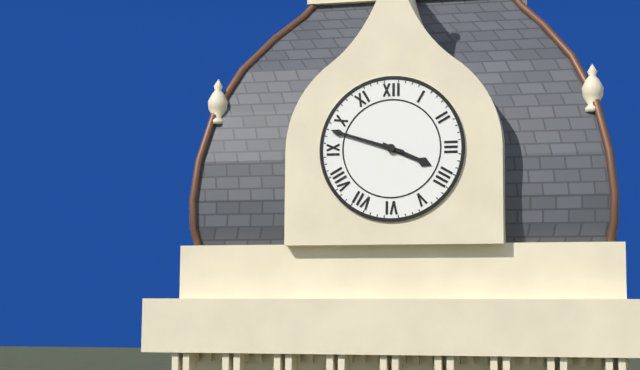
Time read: 3:48
